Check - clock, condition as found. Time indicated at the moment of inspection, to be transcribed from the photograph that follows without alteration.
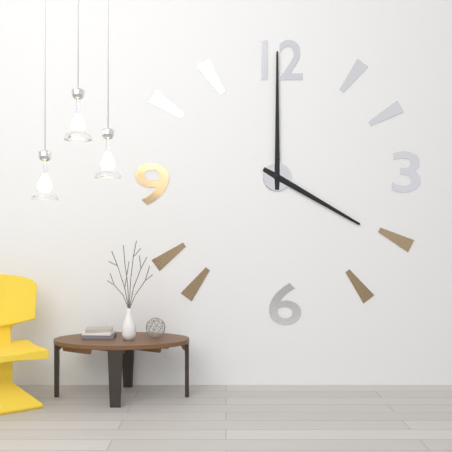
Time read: 4:00
